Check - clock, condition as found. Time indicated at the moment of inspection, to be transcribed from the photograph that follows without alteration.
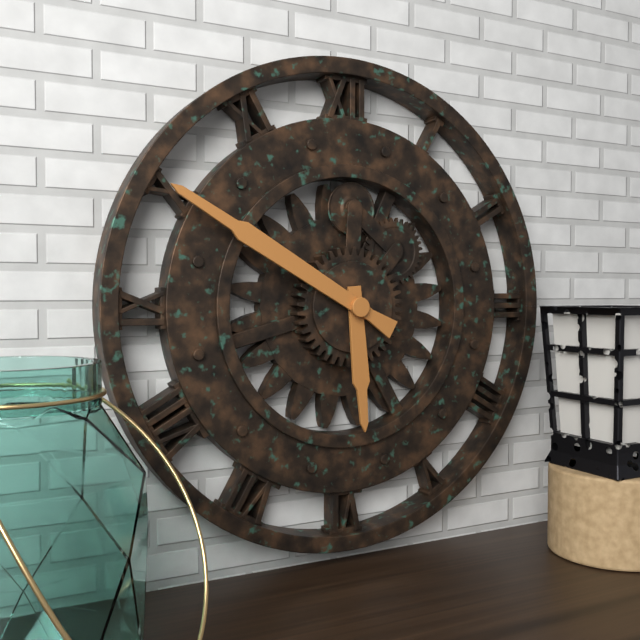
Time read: 5:50
